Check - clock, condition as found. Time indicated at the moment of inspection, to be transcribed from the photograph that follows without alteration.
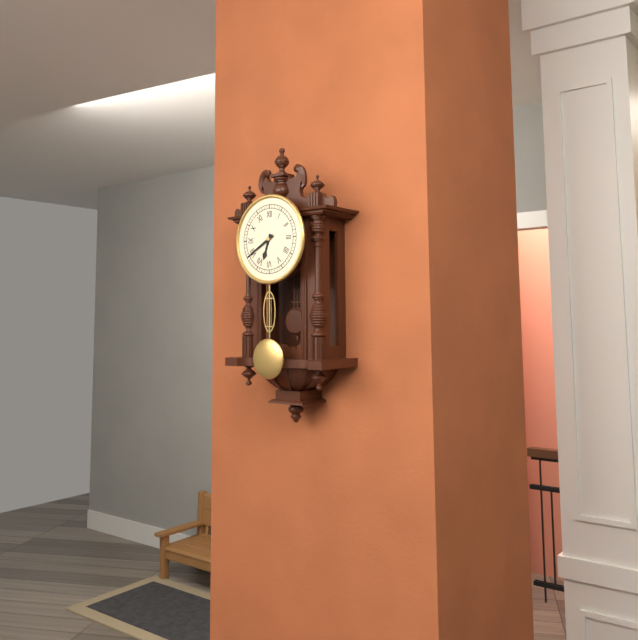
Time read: 6:40
